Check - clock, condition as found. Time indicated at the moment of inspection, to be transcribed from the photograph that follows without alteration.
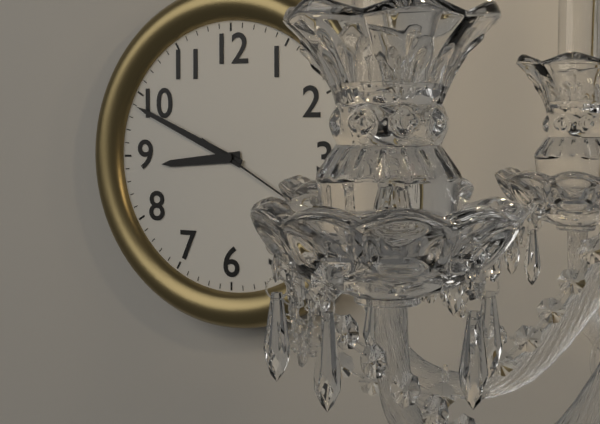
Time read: 8:49:20
